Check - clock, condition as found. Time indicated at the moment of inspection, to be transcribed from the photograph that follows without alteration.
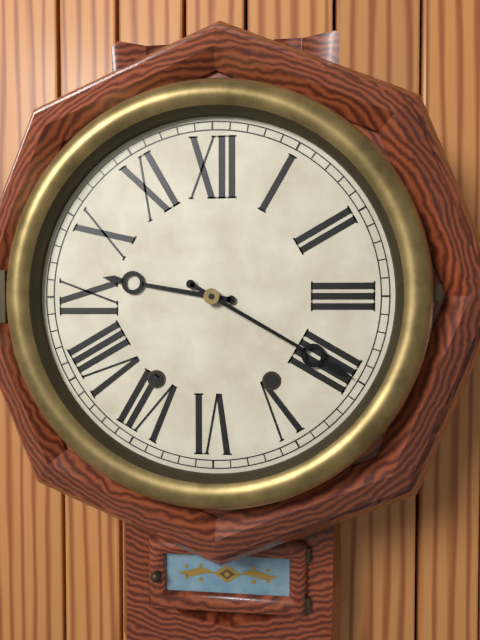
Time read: 9:20
